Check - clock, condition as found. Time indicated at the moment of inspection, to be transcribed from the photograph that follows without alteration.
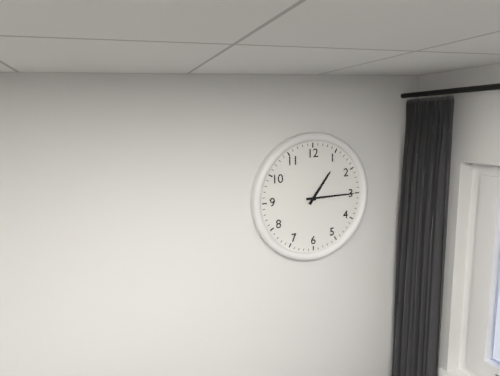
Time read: 1:15
